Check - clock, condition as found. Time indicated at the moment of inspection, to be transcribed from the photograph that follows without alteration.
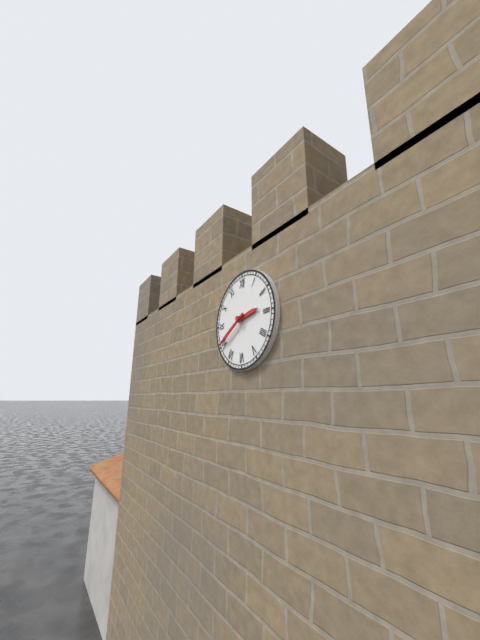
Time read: 2:40
